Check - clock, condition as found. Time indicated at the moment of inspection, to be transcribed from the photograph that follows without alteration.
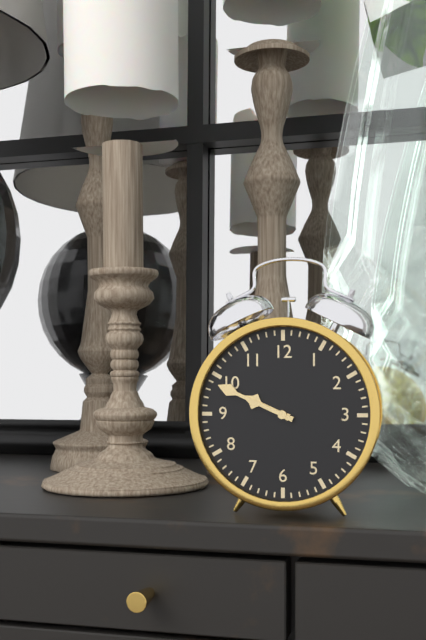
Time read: 9:49
